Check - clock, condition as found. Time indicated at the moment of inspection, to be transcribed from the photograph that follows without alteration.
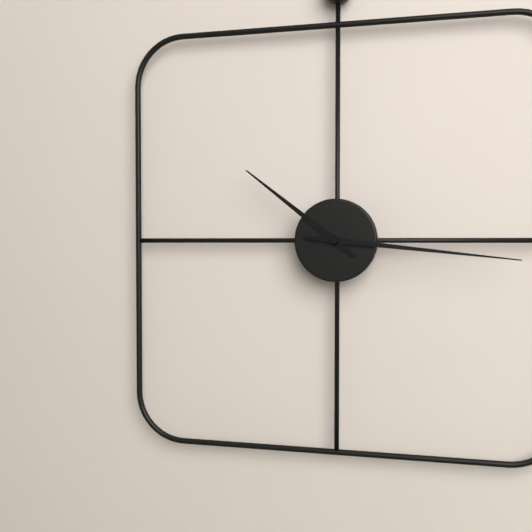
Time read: 10:16
